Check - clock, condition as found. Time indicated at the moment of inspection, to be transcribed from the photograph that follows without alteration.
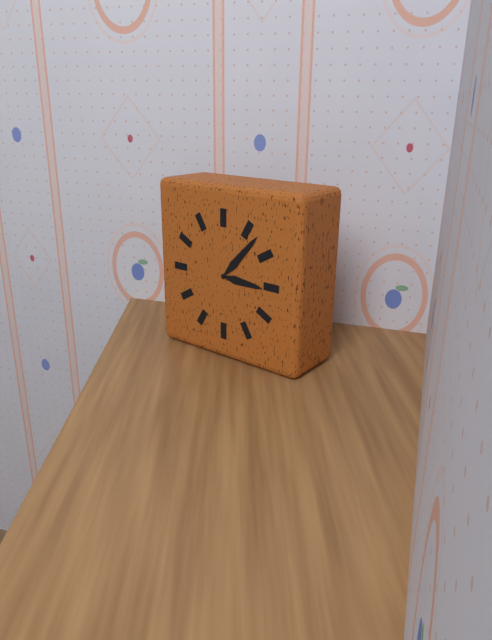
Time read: 3:07
